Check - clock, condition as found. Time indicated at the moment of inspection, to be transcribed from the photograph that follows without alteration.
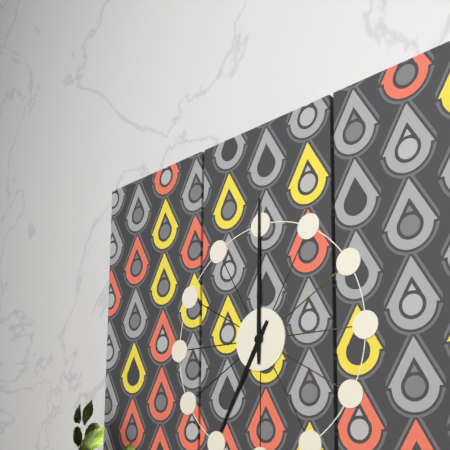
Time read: 7:00
